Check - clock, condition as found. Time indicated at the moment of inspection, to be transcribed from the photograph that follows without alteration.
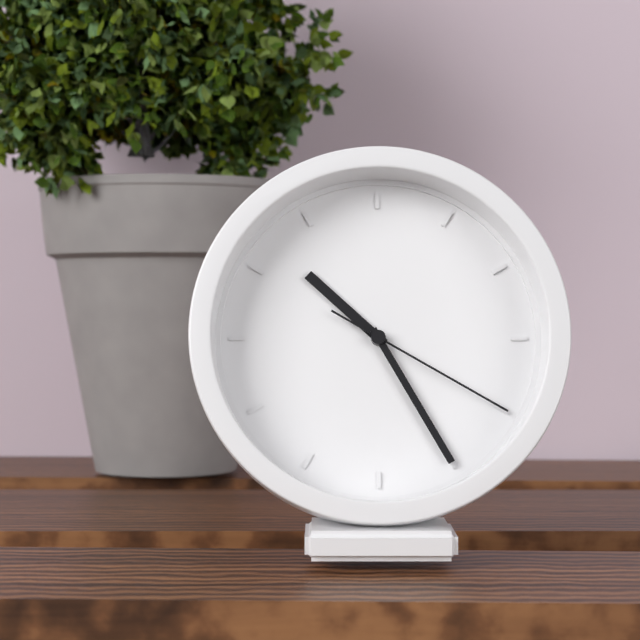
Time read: 10:25:20
